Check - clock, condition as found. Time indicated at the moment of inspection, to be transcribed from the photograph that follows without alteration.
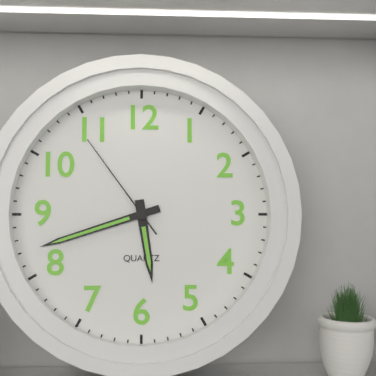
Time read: 5:42:54
